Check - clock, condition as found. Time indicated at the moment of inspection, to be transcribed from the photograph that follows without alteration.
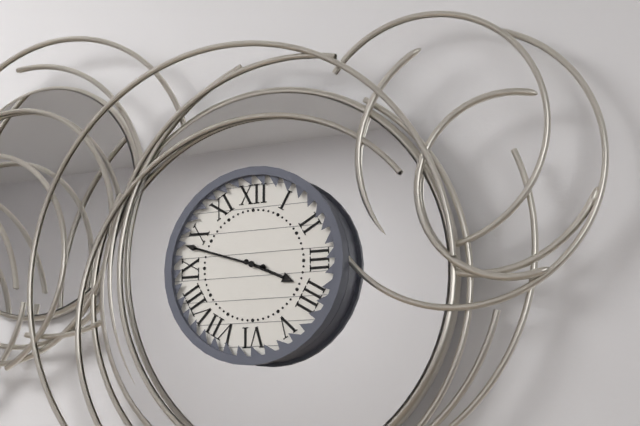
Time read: 3:48
